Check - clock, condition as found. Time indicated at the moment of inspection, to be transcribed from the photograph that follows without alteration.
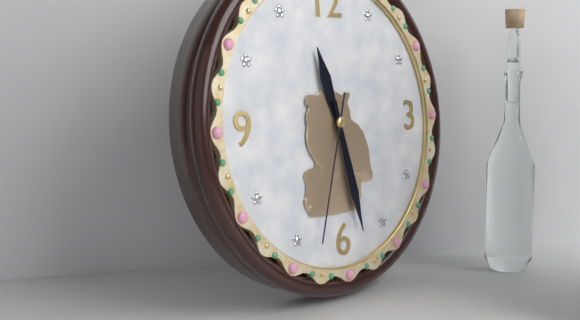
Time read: 11:28:33
